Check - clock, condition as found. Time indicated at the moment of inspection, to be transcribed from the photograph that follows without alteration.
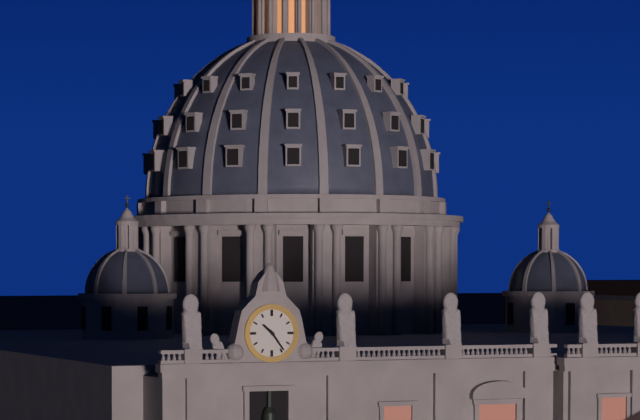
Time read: 10:24
